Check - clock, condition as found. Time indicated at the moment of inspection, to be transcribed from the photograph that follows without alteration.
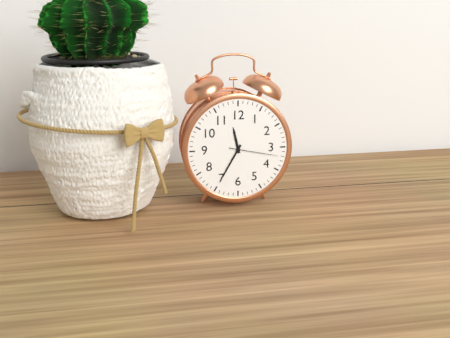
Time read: 11:35:17
